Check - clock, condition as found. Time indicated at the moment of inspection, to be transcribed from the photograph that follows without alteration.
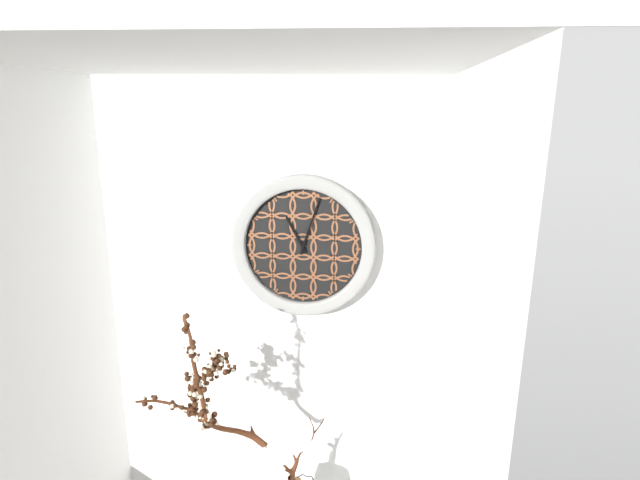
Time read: 11:03
